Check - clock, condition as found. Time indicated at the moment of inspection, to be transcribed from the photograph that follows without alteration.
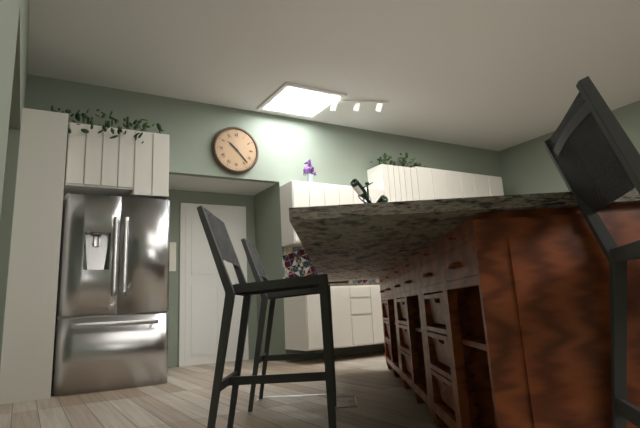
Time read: 10:23
